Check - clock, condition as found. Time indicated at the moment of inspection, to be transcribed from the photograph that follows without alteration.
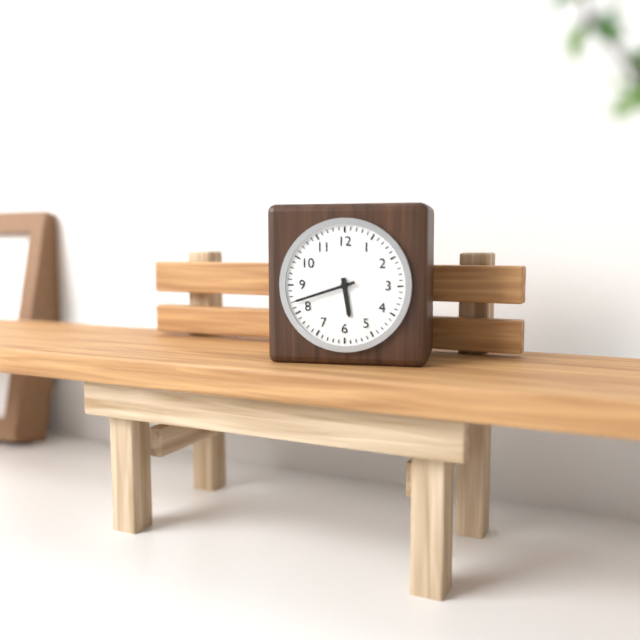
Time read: 5:42
